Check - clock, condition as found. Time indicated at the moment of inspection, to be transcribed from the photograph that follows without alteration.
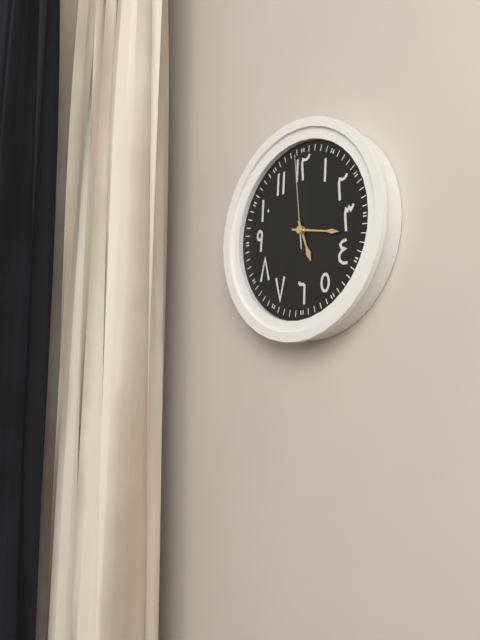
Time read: 5:17:59
